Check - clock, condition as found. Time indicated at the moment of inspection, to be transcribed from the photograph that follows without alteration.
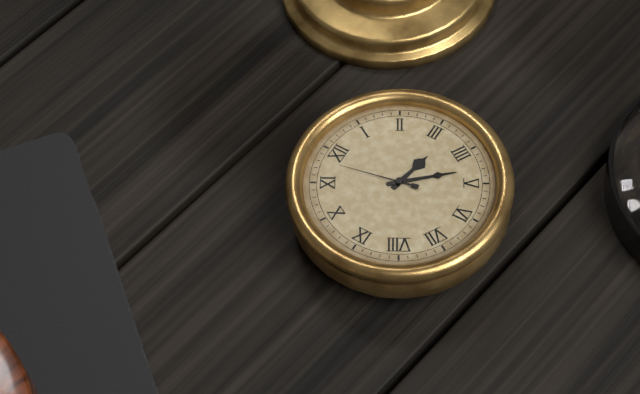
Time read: 3:23:58
